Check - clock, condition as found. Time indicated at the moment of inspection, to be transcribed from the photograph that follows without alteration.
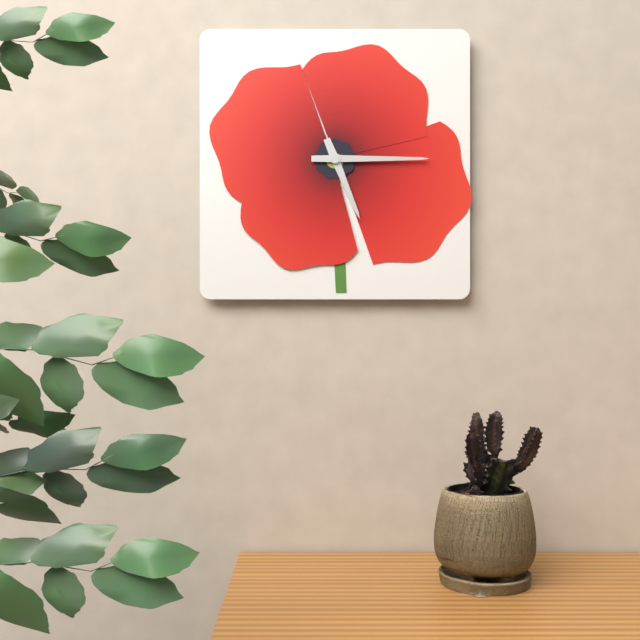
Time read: 5:15
